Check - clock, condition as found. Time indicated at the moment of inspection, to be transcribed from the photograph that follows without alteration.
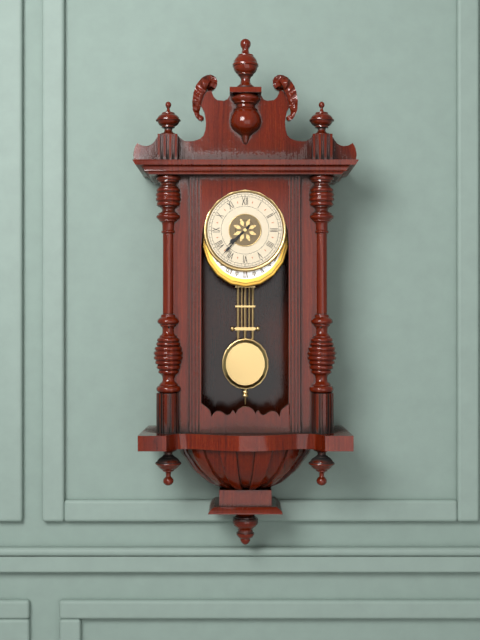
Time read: 7:37
